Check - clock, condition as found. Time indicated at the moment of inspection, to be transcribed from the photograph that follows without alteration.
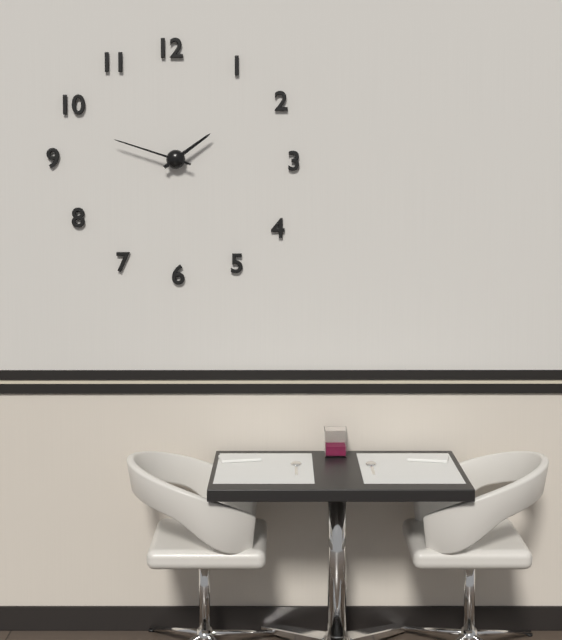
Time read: 1:48
